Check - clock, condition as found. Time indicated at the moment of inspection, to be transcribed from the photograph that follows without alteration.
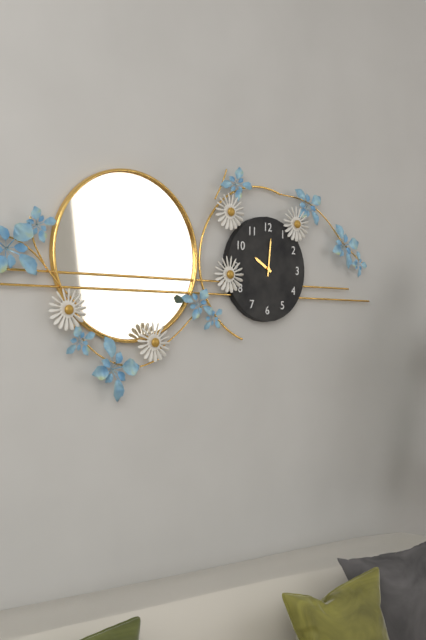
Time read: 10:01
